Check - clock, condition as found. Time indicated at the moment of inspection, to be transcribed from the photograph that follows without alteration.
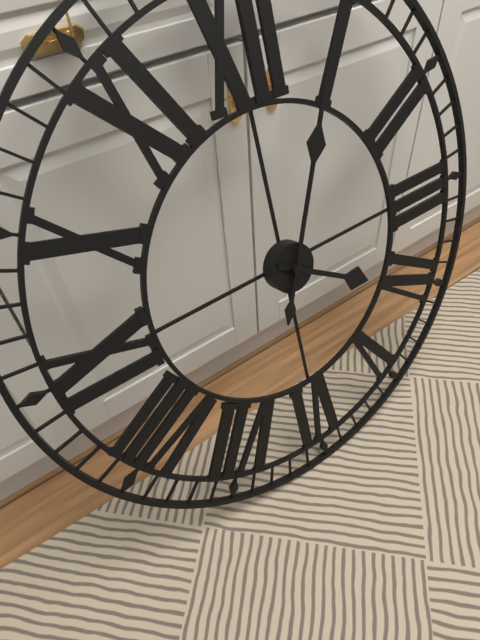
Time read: 4:04
